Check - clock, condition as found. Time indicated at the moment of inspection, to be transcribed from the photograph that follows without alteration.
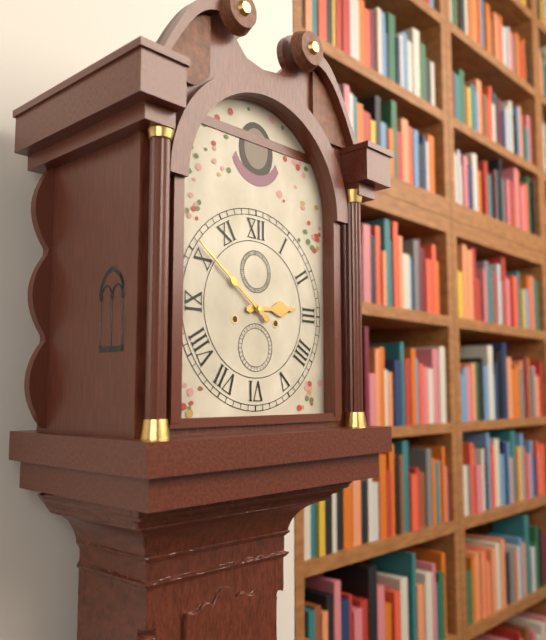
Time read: 2:51
